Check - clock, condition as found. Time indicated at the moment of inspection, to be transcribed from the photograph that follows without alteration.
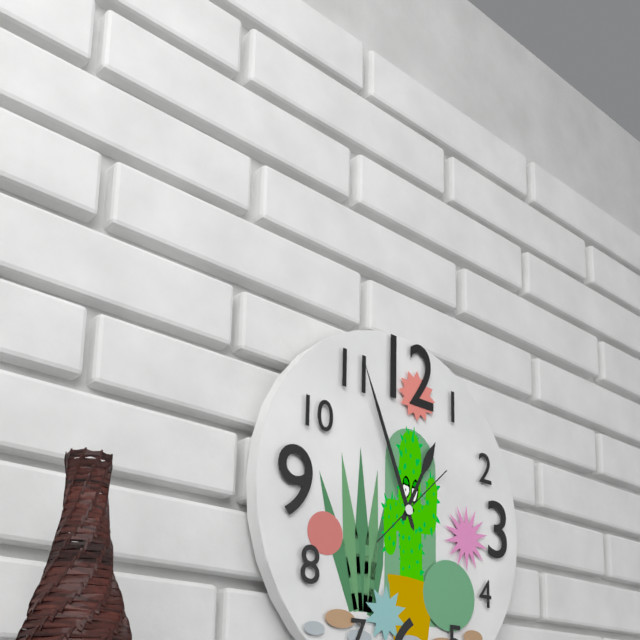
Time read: 12:56:08
